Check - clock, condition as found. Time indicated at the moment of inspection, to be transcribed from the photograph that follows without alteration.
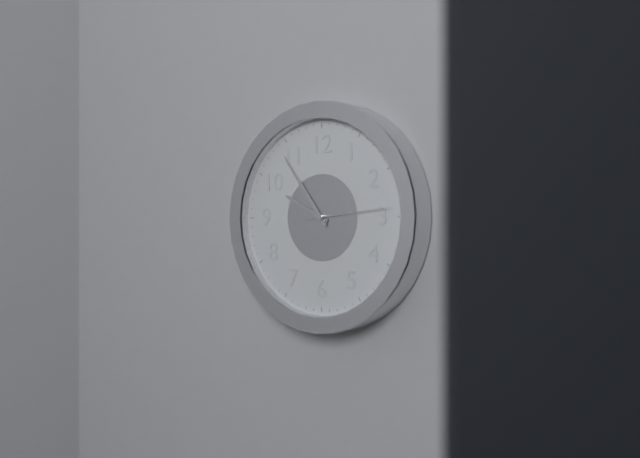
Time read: 9:54:14
